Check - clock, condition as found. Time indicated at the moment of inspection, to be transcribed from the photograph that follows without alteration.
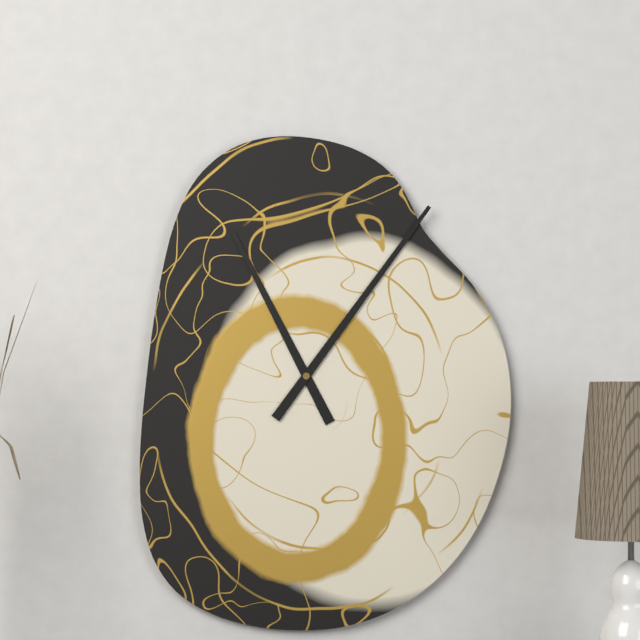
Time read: 11:06
